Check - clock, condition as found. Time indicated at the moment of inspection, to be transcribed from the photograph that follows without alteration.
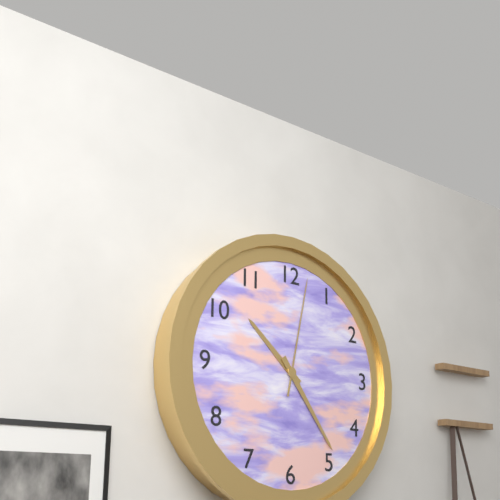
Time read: 10:24:02
